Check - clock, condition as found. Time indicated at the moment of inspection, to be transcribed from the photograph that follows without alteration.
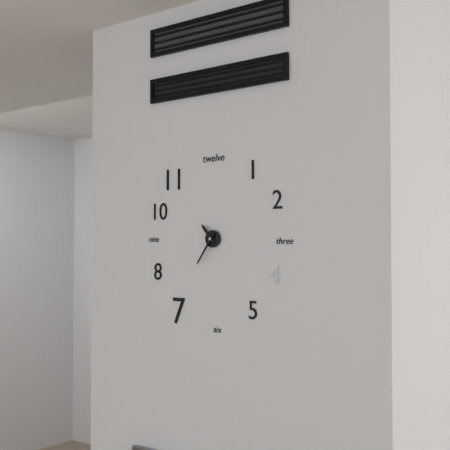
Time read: 10:36
